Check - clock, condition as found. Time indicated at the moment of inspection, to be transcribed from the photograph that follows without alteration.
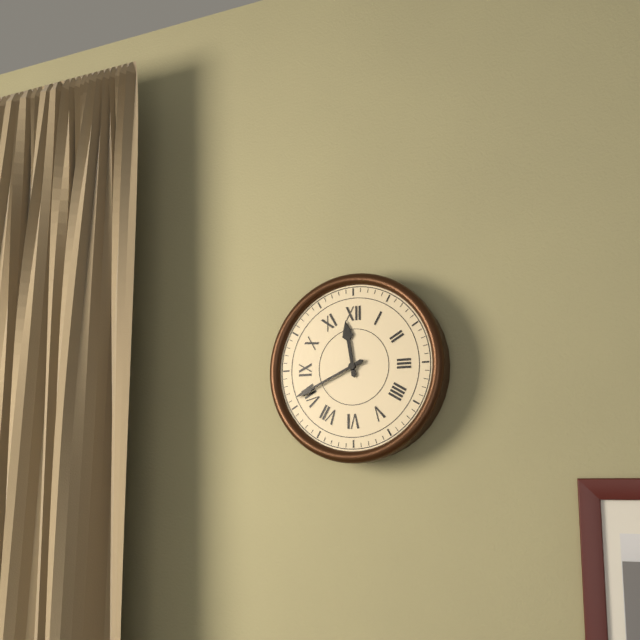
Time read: 11:41
